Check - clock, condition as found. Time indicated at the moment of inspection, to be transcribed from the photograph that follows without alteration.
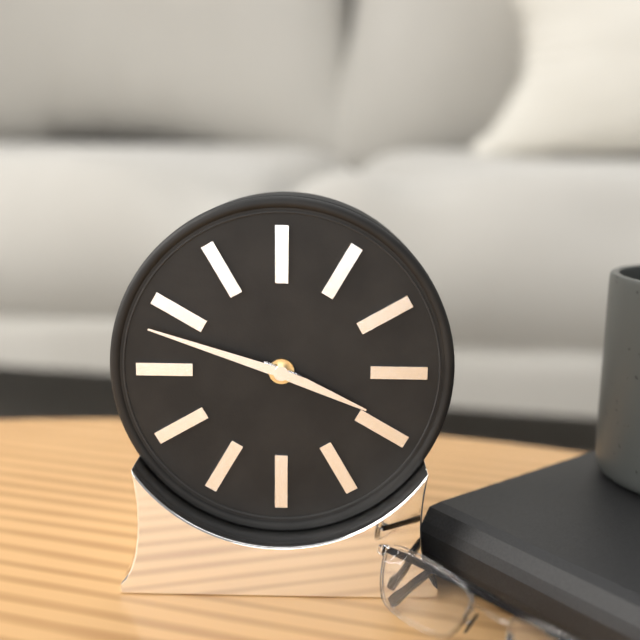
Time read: 3:48
